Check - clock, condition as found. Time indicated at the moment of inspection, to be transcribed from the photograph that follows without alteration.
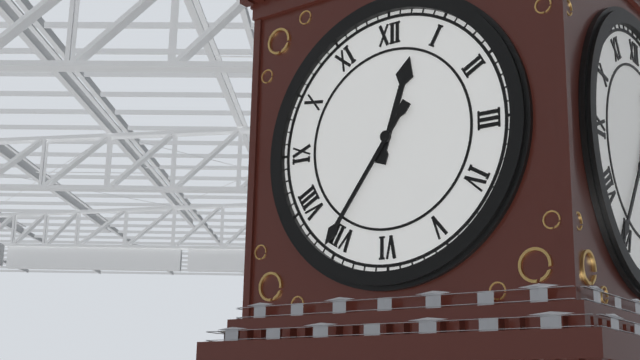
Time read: 12:36
